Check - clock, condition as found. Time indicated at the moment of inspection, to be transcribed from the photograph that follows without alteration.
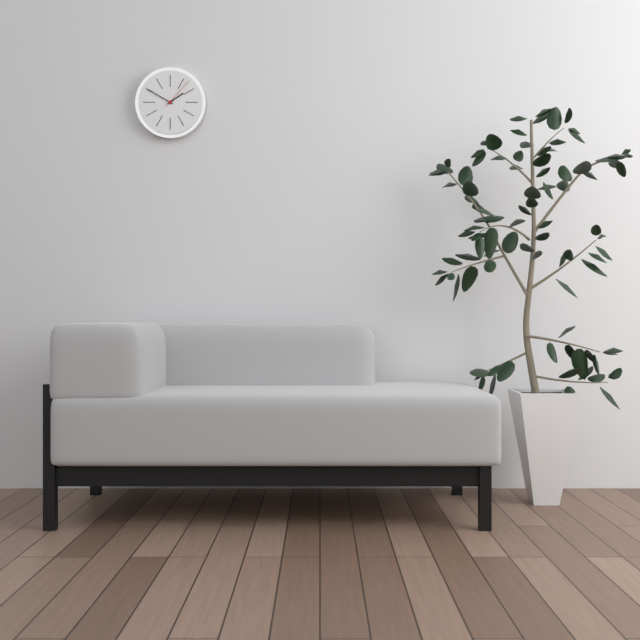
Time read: 1:50
